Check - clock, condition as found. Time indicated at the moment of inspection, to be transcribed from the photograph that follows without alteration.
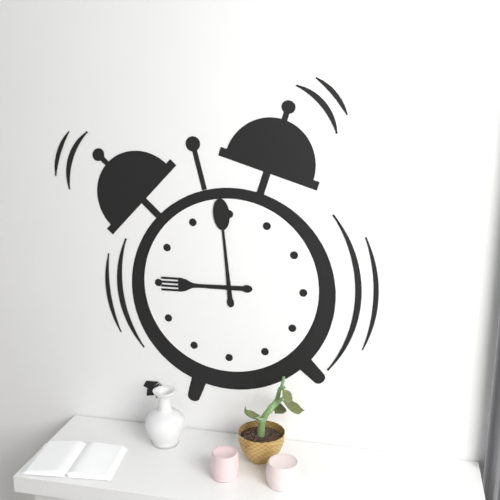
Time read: 8:59
